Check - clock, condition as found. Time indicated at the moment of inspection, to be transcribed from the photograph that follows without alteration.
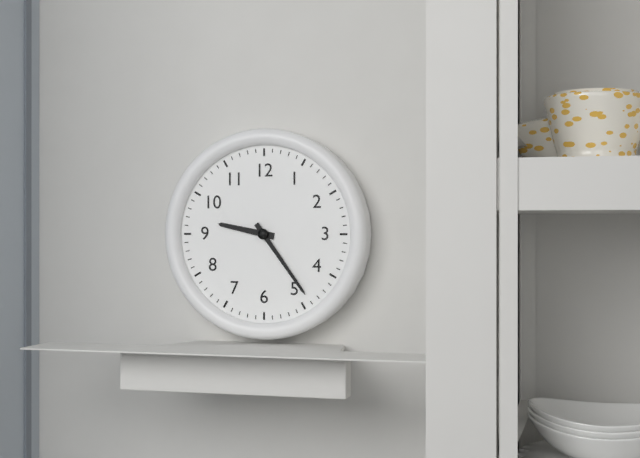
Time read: 9:24
